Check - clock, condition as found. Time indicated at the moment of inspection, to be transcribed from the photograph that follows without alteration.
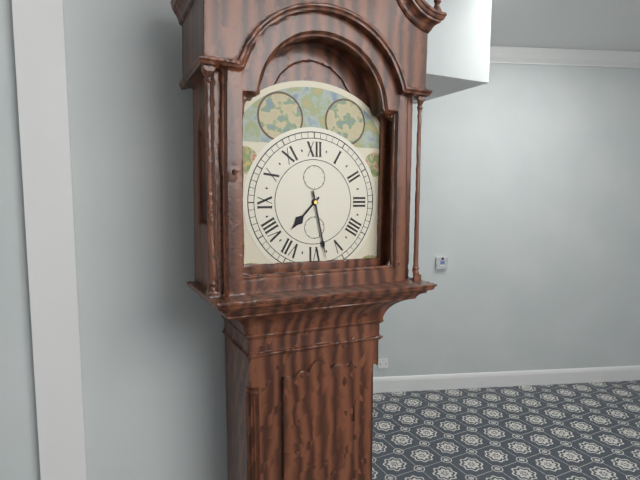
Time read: 7:28
